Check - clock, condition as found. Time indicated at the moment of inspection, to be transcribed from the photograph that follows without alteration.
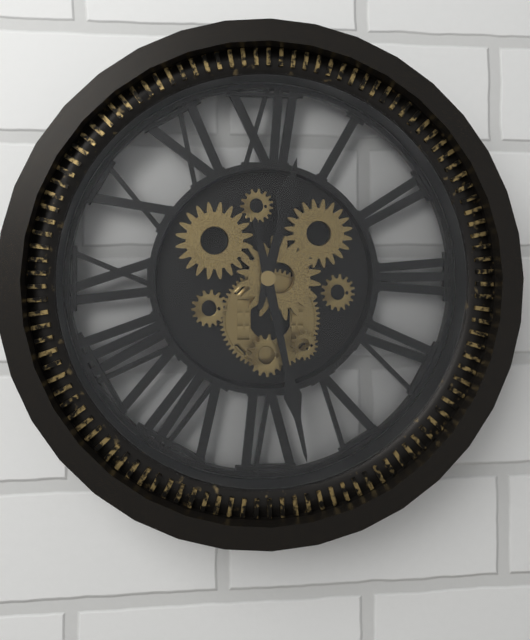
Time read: 12:28
